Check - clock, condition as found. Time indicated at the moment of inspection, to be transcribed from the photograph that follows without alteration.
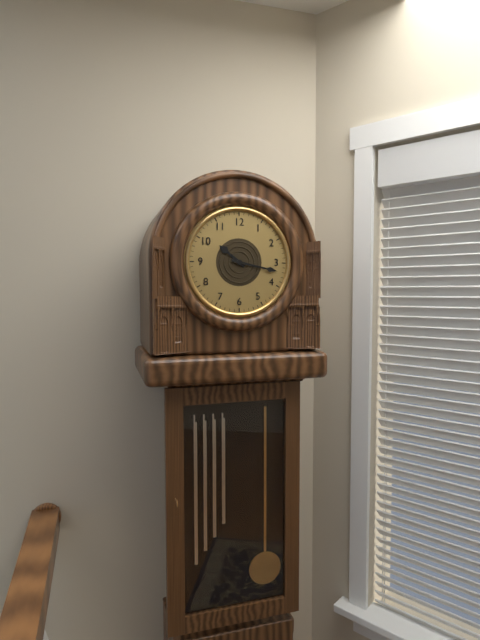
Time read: 10:17
